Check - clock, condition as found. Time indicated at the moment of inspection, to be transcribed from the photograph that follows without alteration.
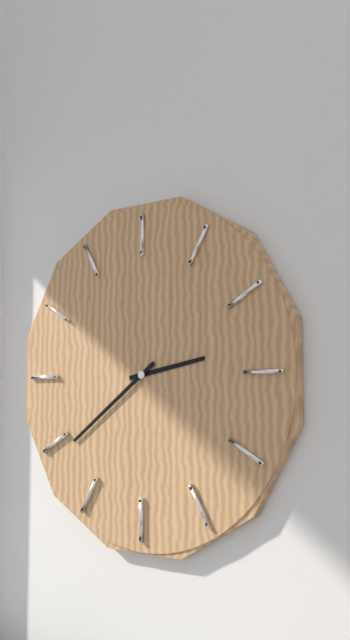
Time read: 2:39
